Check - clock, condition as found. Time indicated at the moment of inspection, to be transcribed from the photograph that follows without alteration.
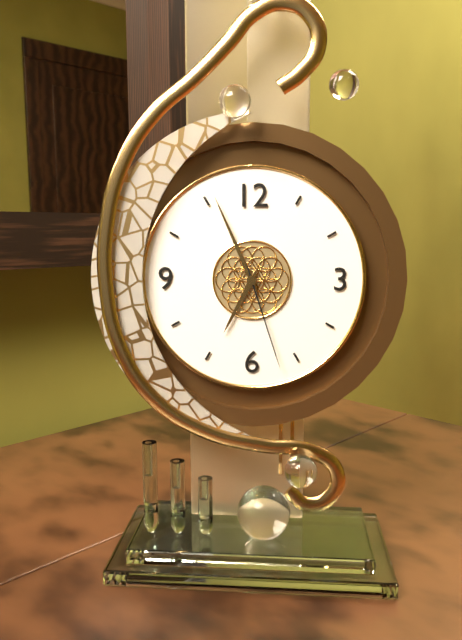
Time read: 6:56:27
